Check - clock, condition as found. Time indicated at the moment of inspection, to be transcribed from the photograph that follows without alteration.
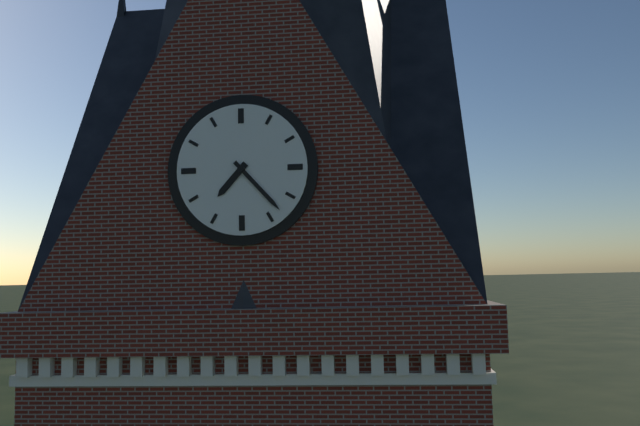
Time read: 7:23
